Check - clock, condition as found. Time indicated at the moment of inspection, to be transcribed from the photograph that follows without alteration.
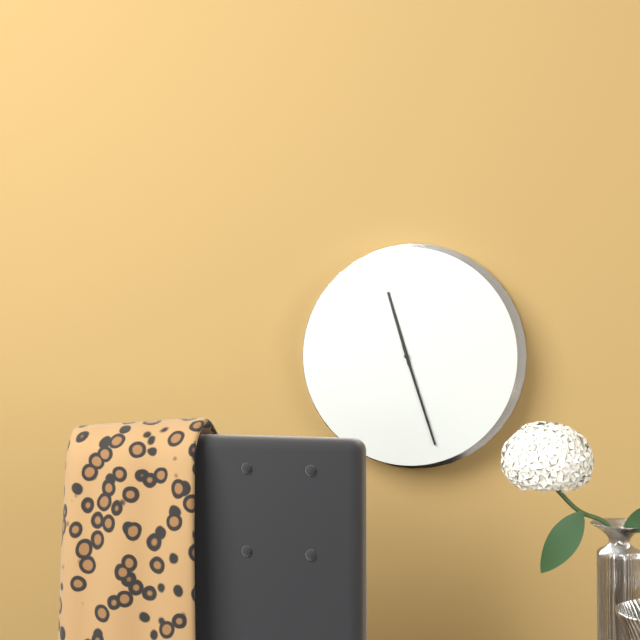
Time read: 11:27
